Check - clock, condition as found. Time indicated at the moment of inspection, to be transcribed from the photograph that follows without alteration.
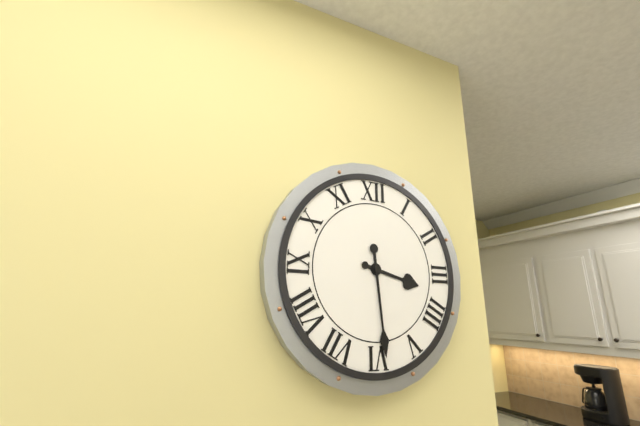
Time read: 3:29
